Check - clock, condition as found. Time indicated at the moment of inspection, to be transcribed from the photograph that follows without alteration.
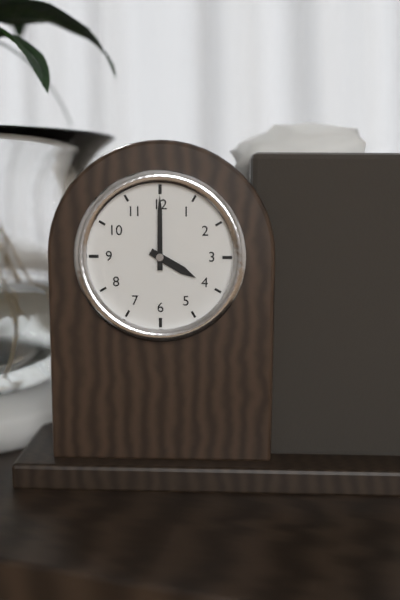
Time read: 4:00
